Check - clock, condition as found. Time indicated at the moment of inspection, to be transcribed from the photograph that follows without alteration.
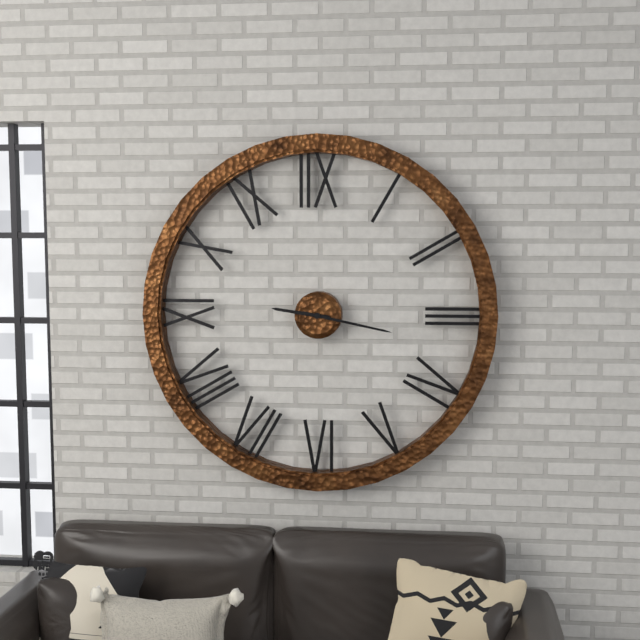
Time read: 9:17
